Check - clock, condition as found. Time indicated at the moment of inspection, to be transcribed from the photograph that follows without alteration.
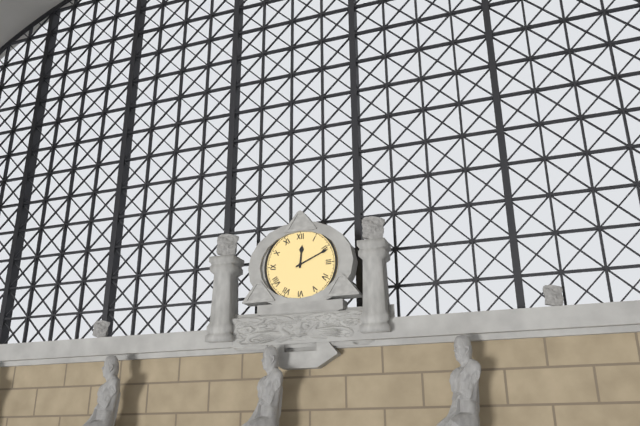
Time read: 12:11
